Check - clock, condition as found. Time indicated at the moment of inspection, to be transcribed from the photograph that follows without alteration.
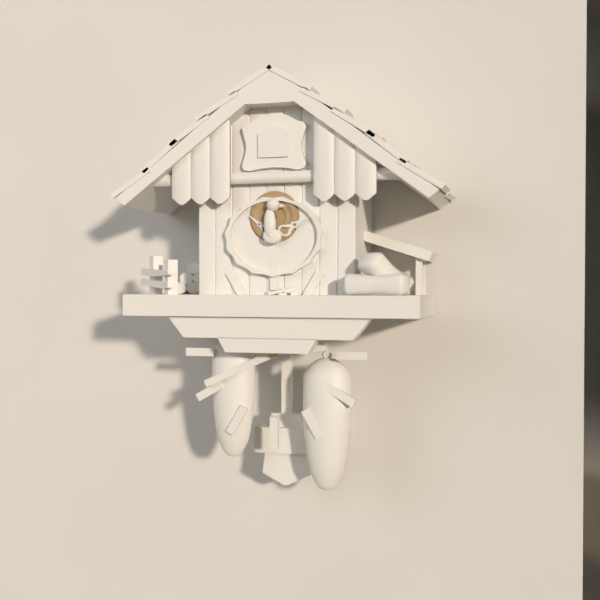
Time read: 2:41
